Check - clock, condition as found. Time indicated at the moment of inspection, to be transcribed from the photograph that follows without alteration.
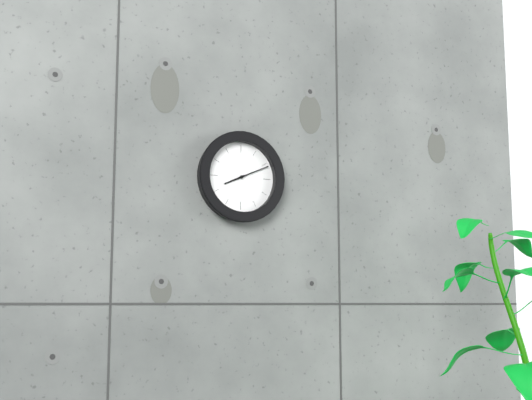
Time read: 8:11
